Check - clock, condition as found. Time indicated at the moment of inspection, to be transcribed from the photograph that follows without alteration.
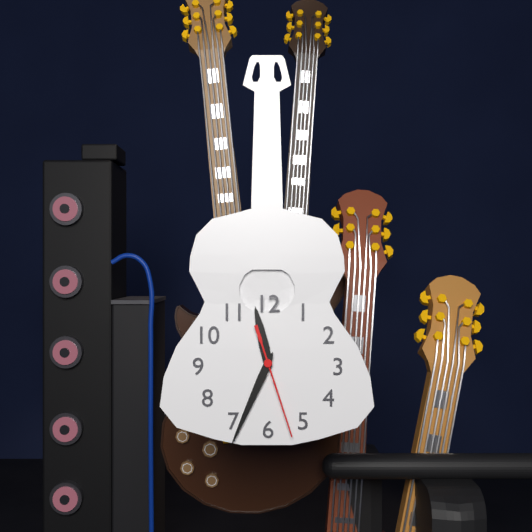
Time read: 11:34:27
